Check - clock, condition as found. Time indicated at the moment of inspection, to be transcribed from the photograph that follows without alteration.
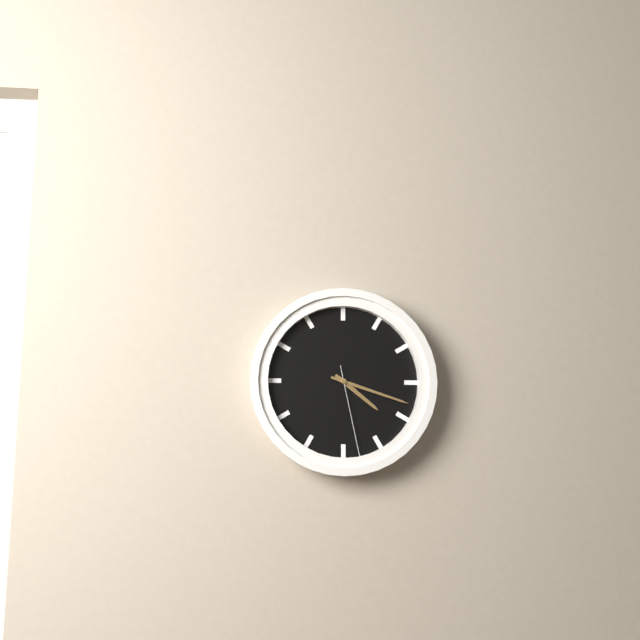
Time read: 4:18:28
